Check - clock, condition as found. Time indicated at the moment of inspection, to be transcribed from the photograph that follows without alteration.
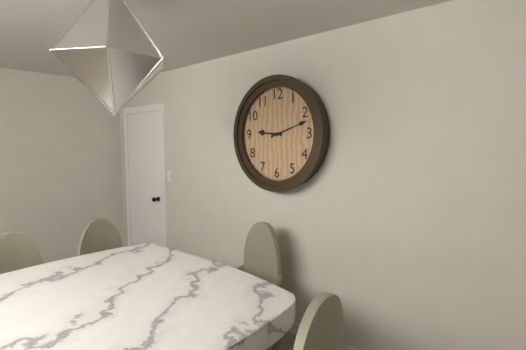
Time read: 9:12
